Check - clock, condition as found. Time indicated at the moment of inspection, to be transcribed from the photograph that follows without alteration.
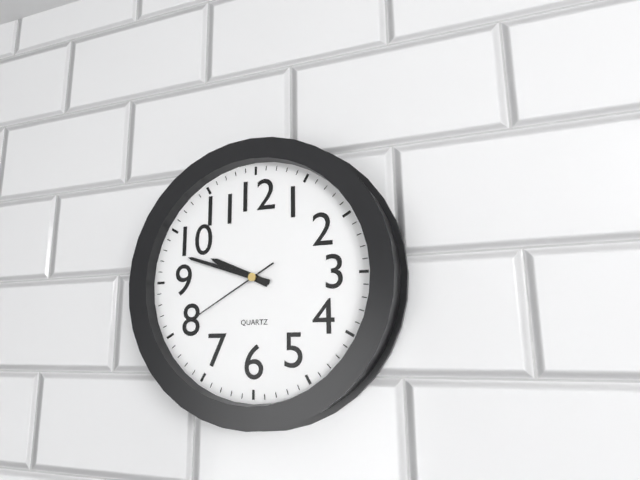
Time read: 9:48:40
